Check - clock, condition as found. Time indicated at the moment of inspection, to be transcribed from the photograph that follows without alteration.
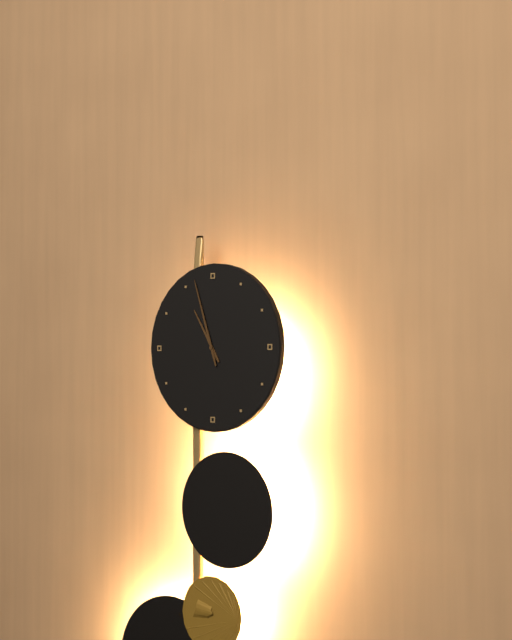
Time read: 10:57
